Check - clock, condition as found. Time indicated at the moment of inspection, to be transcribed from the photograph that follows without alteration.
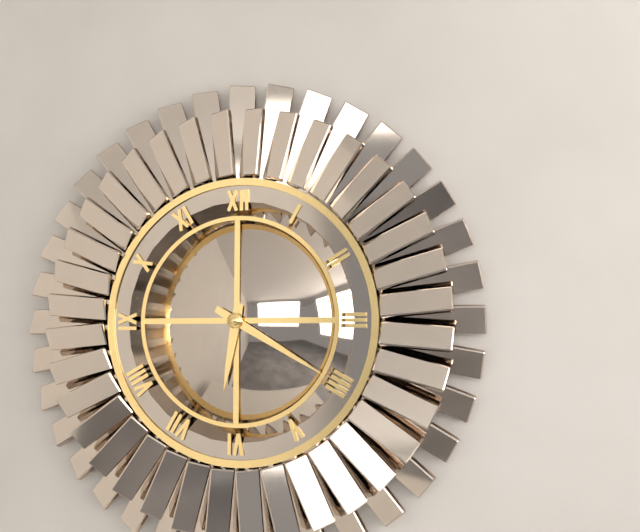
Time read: 6:20
